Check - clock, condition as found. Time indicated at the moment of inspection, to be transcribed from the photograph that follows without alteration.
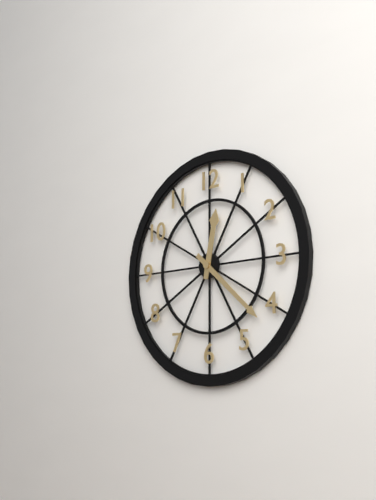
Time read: 12:22
